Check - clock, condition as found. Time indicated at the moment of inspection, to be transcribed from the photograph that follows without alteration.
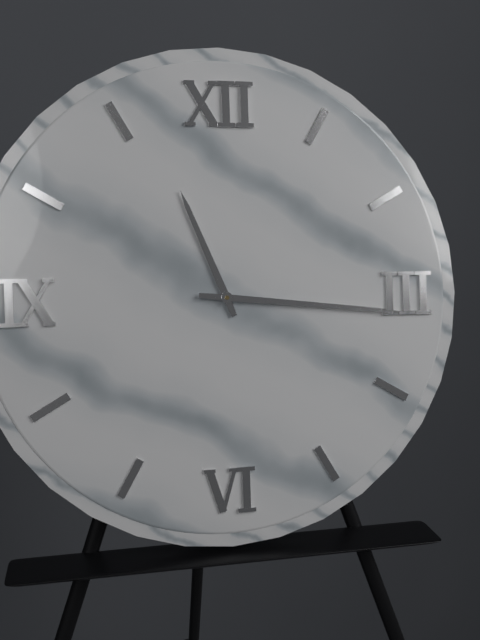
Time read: 11:16
